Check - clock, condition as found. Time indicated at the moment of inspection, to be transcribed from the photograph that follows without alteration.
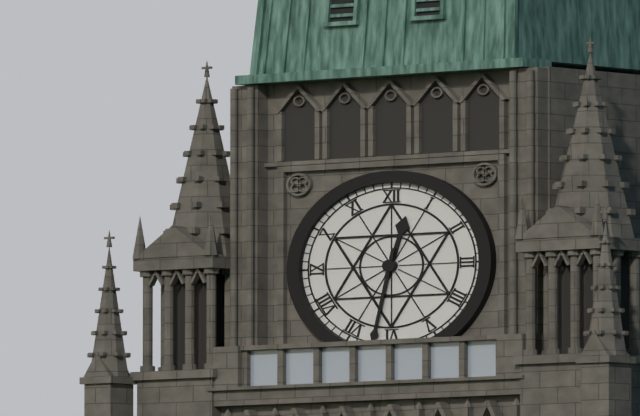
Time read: 12:32
